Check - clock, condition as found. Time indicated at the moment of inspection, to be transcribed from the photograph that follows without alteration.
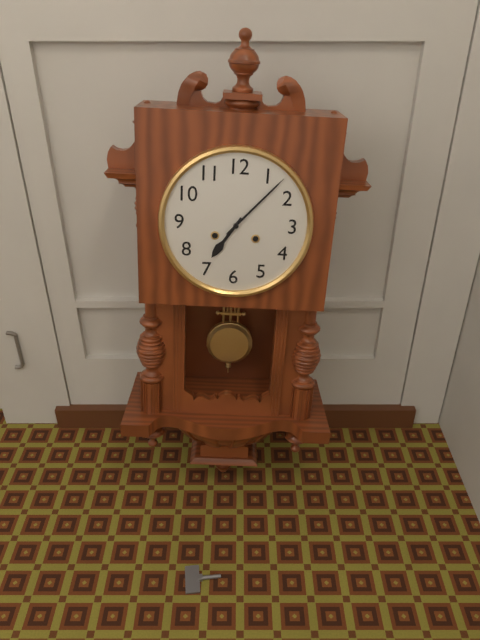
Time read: 7:07
